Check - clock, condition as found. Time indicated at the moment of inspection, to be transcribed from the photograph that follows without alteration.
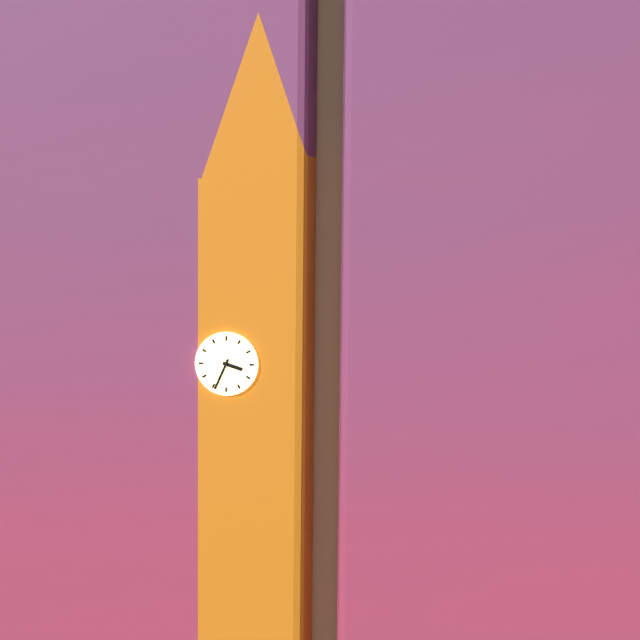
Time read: 3:34
